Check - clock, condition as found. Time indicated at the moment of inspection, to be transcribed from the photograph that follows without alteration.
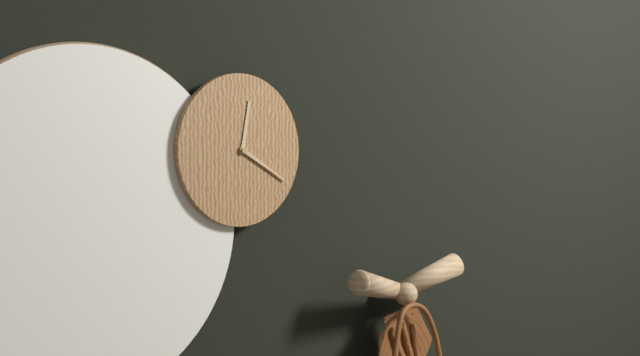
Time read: 12:20
